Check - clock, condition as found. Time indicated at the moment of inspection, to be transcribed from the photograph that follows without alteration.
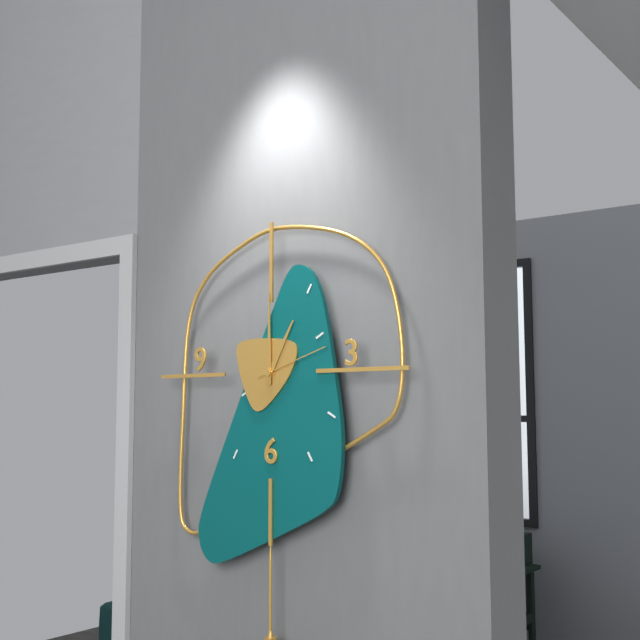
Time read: 1:00:12
